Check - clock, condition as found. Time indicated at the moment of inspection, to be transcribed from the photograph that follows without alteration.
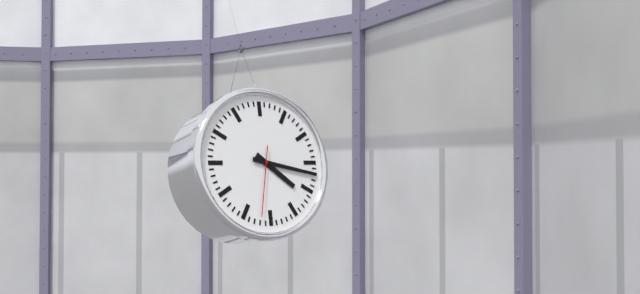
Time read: 4:17:32
